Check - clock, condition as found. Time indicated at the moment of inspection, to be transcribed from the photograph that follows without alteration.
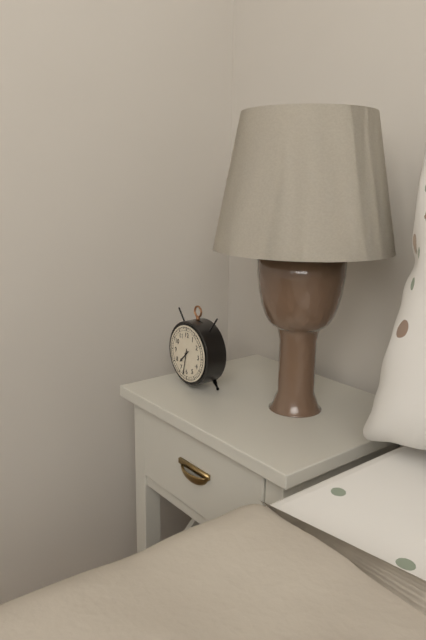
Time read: 7:32
